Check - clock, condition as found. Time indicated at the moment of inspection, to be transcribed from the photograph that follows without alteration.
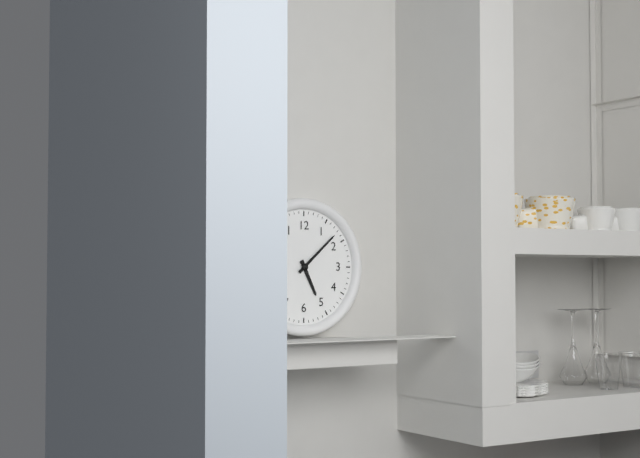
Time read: 5:08
